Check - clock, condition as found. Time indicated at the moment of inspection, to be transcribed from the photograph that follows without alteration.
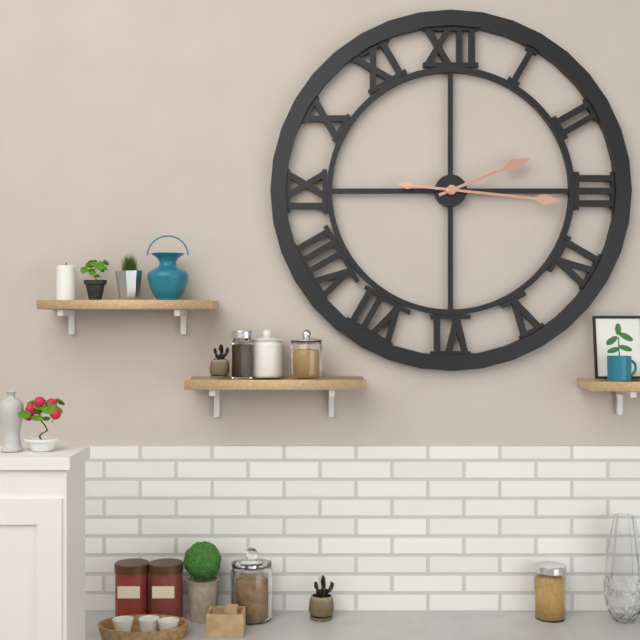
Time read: 2:16
